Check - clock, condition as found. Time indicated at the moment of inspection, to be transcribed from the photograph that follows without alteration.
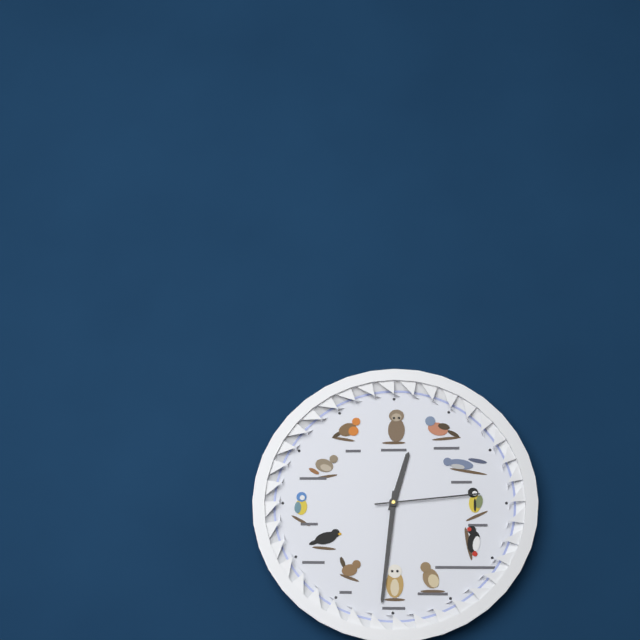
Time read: 12:31:14
